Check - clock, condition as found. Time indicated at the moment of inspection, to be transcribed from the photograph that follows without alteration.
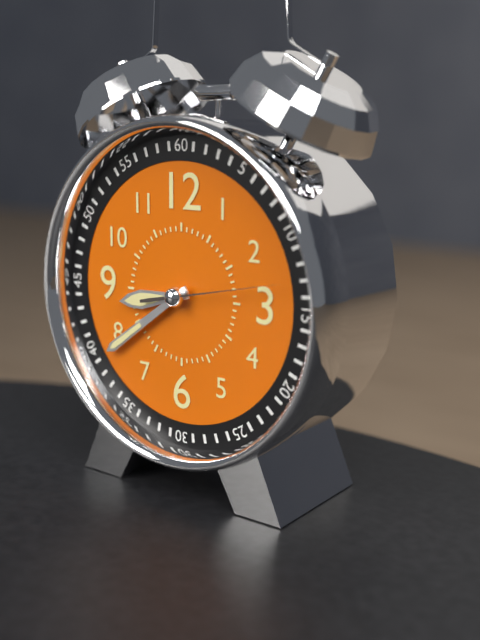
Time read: 8:39:13
